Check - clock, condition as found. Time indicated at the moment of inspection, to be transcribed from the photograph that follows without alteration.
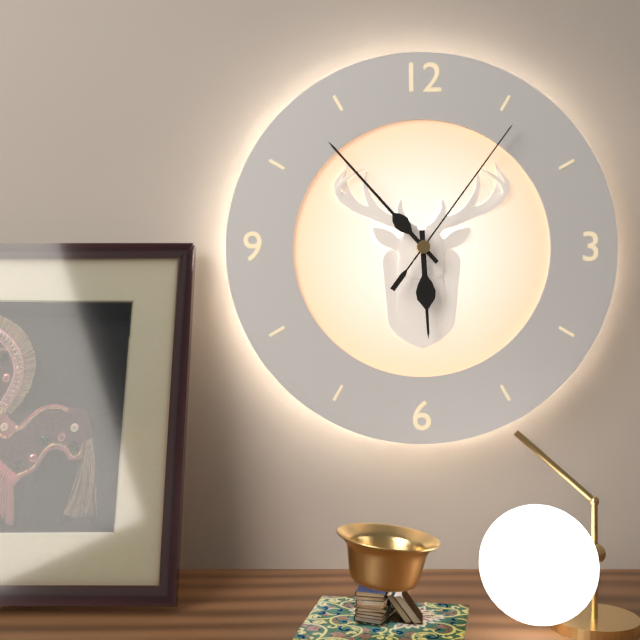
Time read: 5:53:06
